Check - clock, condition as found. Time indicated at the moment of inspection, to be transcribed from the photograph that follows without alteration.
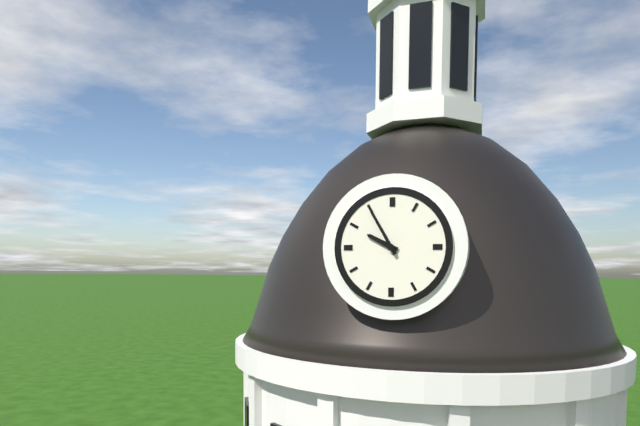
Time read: 9:55
